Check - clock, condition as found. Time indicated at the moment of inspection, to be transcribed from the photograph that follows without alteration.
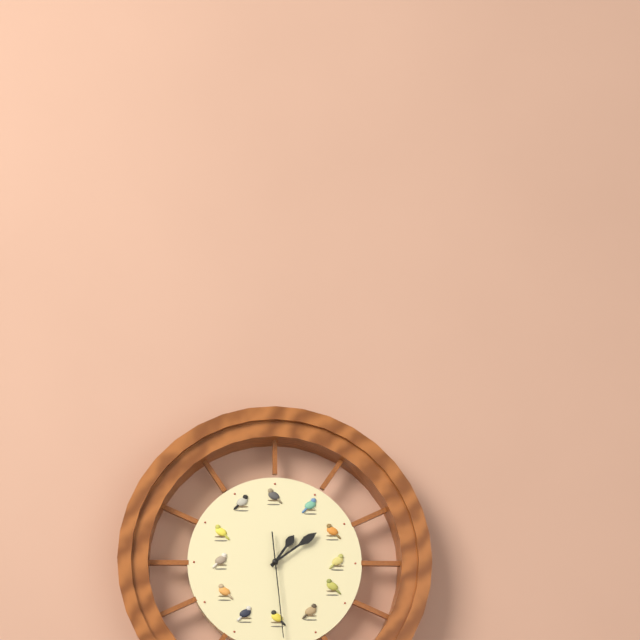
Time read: 1:09:29
